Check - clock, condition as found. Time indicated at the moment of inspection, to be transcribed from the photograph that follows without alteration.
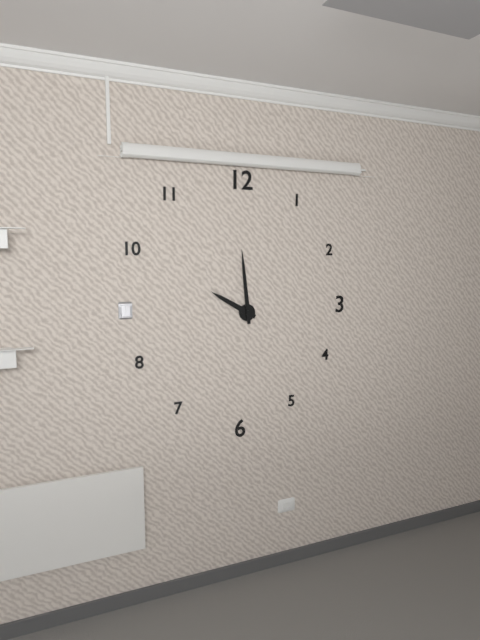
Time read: 9:59
